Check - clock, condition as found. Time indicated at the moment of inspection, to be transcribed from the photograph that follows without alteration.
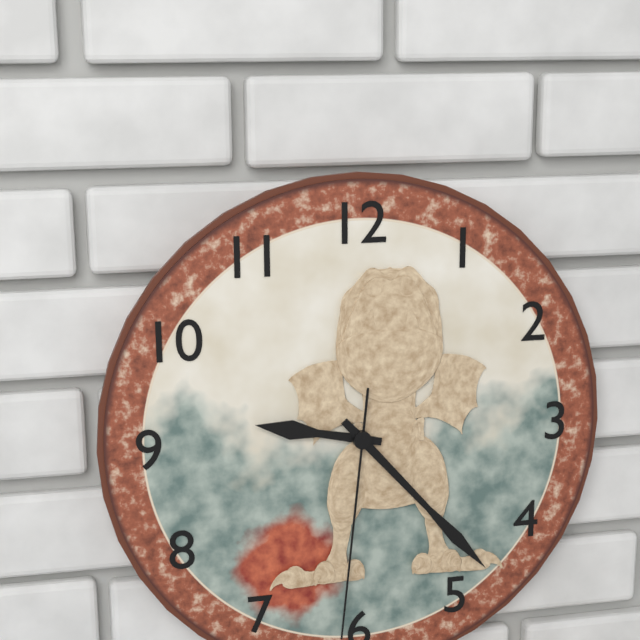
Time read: 9:23:31
